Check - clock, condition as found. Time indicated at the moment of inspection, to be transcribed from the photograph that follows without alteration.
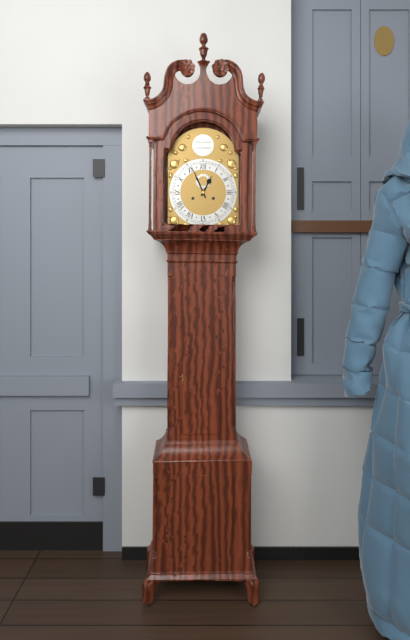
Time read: 12:56
